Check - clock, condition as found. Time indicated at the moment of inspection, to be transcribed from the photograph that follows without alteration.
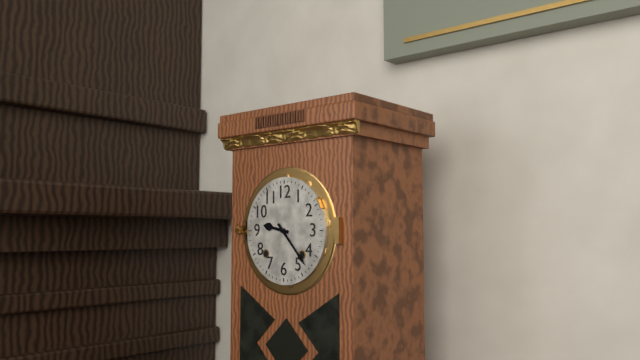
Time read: 9:23
